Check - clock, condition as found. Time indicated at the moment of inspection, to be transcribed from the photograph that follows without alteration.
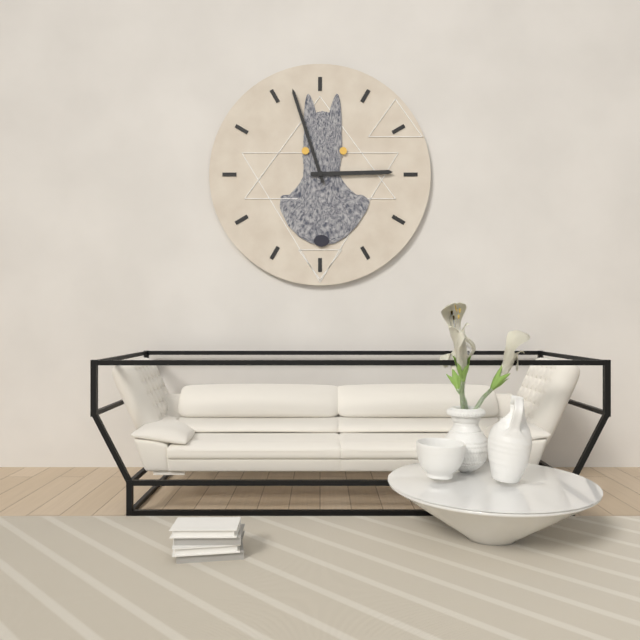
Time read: 2:57
